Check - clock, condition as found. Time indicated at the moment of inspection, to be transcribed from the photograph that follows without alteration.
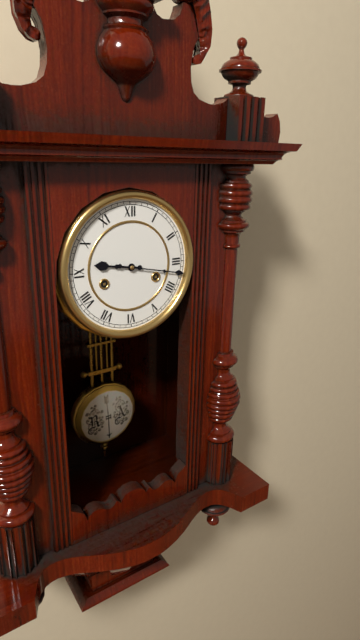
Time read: 9:17
